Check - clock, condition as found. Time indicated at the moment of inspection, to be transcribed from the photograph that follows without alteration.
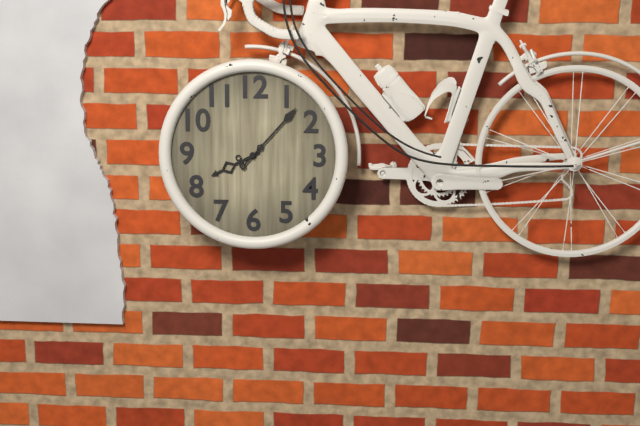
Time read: 8:07
